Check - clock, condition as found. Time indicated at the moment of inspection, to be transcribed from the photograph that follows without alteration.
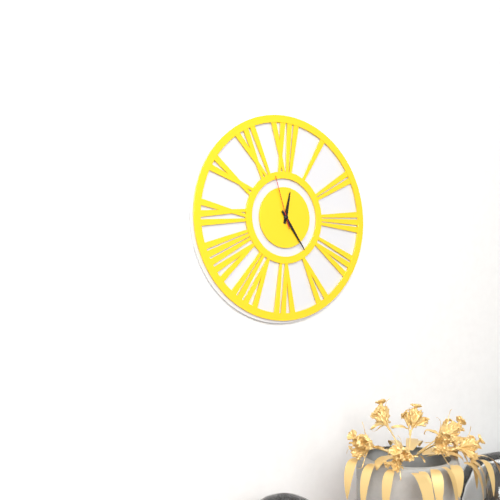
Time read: 12:24:57
